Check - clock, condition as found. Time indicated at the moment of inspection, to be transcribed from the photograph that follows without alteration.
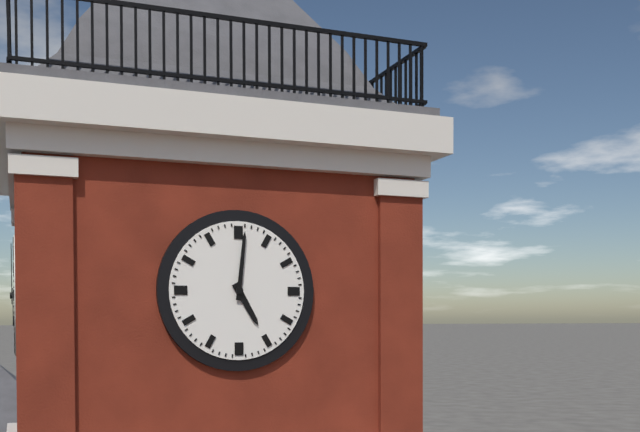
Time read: 5:01
